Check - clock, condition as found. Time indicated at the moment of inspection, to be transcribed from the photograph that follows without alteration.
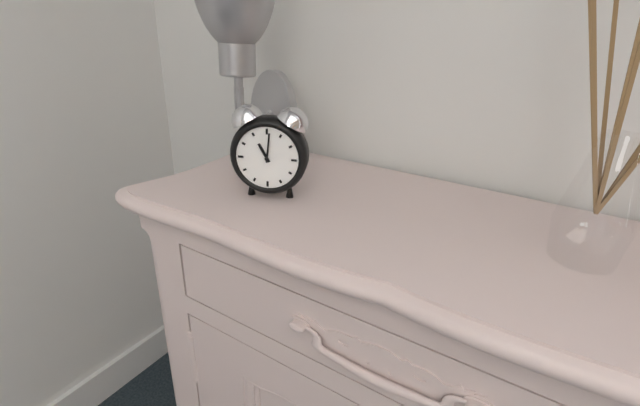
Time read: 11:01
